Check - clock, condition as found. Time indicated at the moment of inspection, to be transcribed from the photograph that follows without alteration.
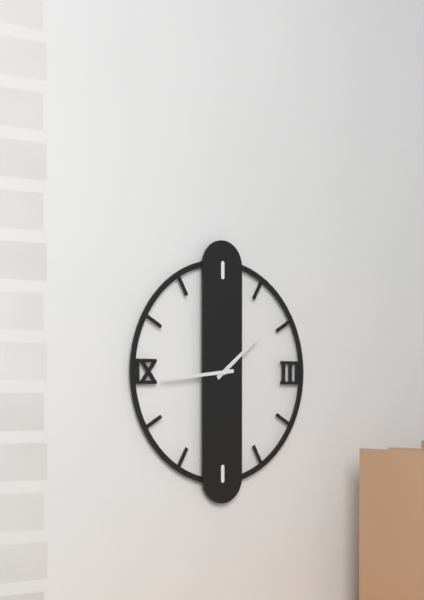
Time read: 1:44
